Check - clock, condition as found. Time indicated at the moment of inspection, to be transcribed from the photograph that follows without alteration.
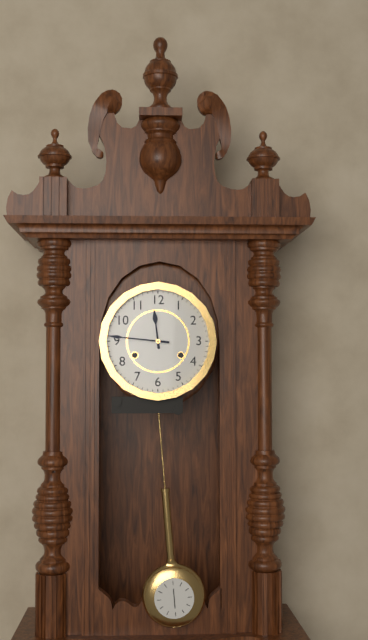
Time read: 11:46
